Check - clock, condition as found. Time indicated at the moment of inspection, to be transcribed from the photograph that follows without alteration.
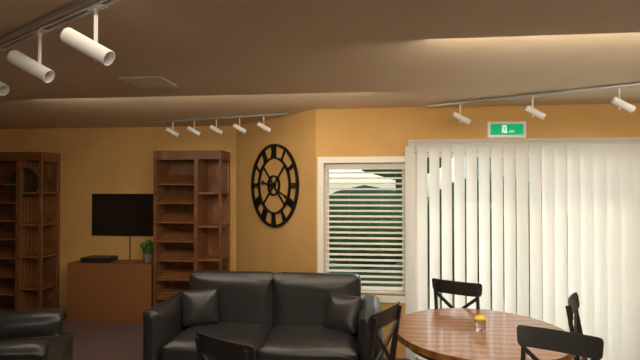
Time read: 9:19
